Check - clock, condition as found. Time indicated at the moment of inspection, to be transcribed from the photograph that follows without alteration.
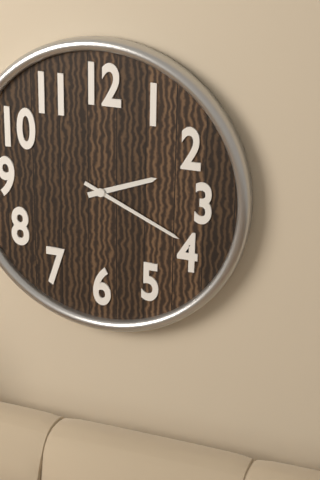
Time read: 2:19
